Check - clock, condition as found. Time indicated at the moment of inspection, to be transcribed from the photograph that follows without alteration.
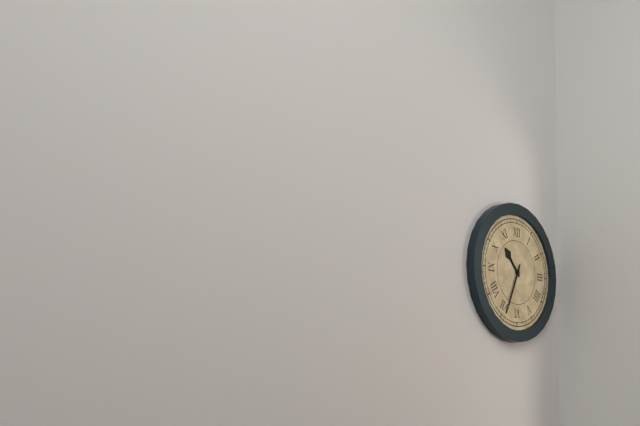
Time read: 10:34
